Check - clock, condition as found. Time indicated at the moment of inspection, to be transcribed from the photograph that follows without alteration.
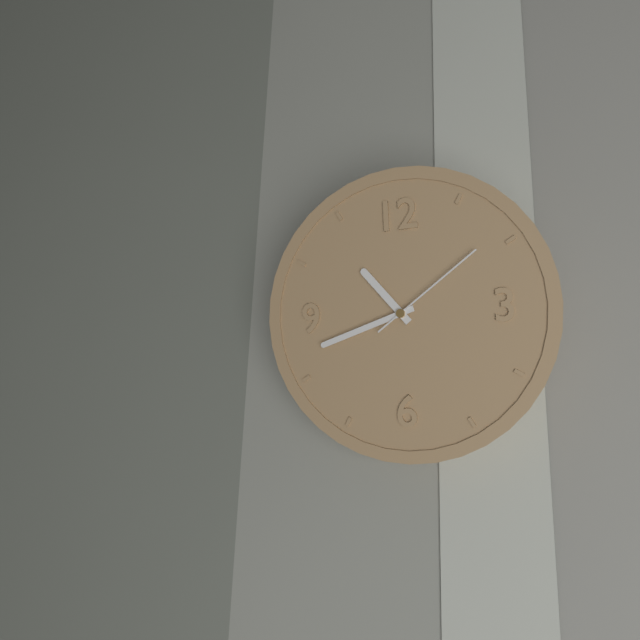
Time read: 10:42:09
